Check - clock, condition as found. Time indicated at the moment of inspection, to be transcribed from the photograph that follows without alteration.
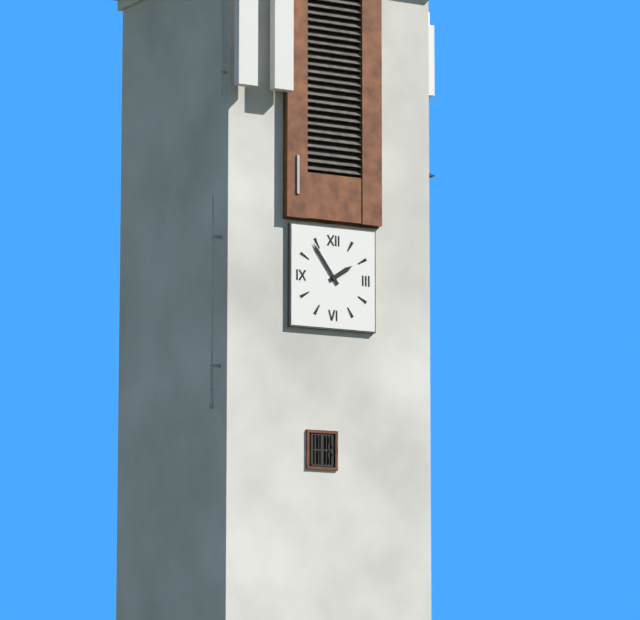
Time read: 1:54
